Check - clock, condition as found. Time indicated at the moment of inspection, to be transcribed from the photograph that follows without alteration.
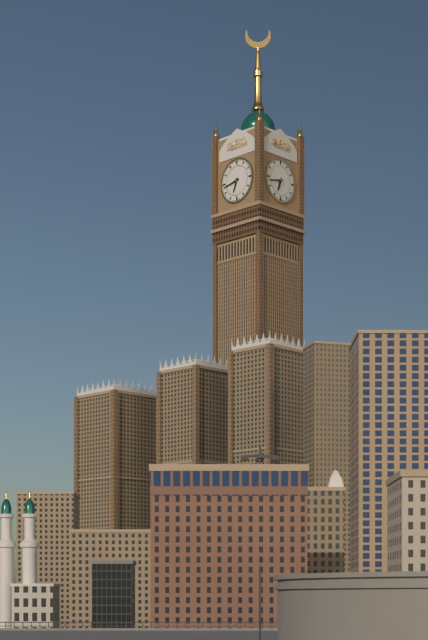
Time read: 6:43
